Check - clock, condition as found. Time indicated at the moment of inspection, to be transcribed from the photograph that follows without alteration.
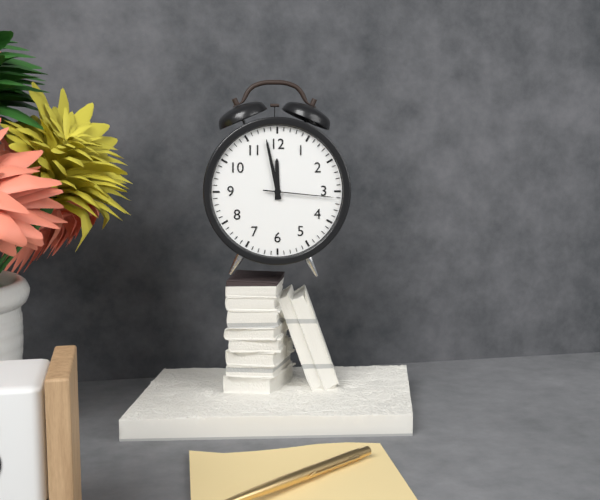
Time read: 11:58:16
